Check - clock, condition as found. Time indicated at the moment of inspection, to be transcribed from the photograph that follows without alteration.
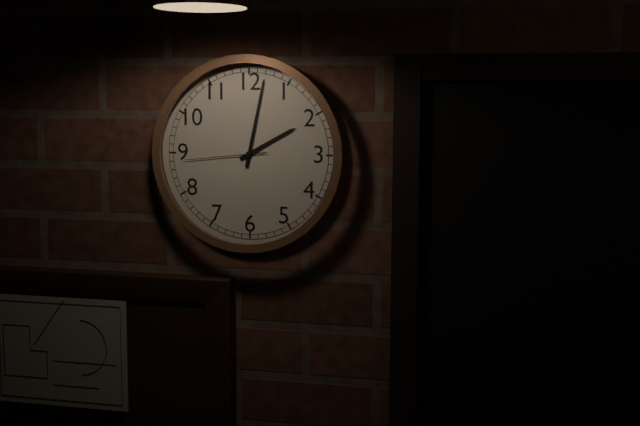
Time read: 2:02:44
